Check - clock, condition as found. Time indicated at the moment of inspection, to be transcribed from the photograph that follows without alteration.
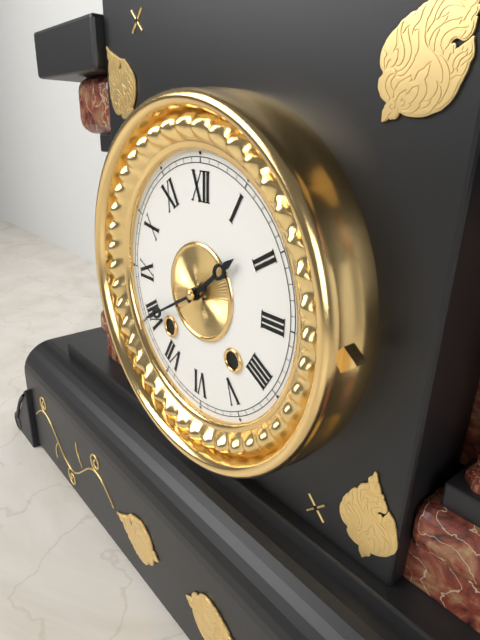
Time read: 1:40
